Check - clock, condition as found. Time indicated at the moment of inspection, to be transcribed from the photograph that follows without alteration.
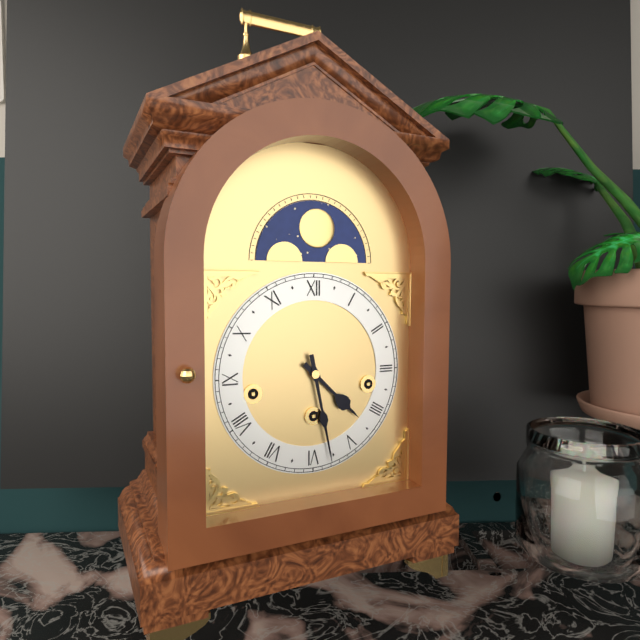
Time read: 4:28
